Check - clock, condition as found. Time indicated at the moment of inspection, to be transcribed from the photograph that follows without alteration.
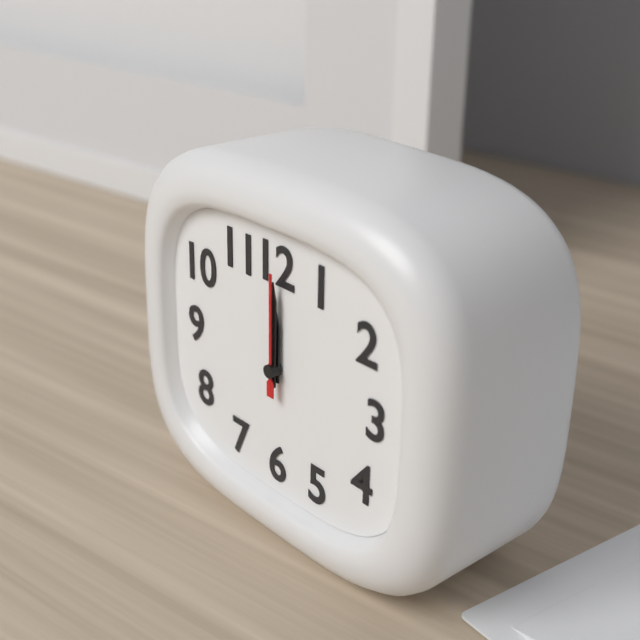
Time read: 12:00:00
